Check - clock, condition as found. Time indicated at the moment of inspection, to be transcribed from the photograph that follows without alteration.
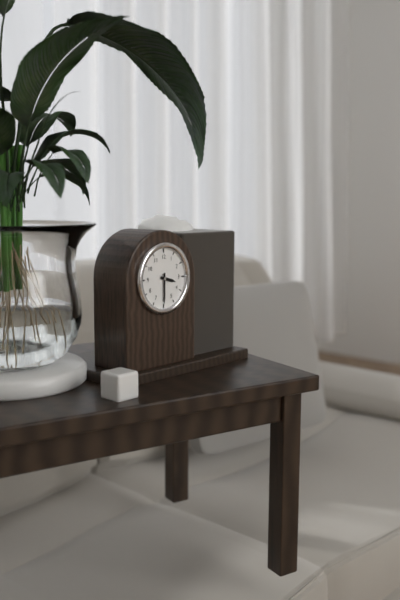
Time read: 3:30
